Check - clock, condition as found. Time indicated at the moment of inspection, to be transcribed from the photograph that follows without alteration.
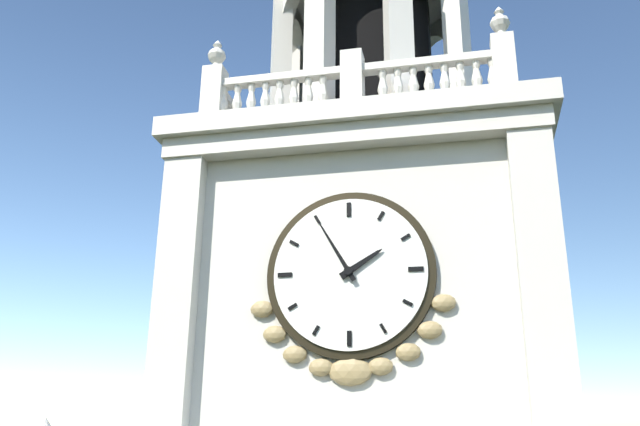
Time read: 1:55
